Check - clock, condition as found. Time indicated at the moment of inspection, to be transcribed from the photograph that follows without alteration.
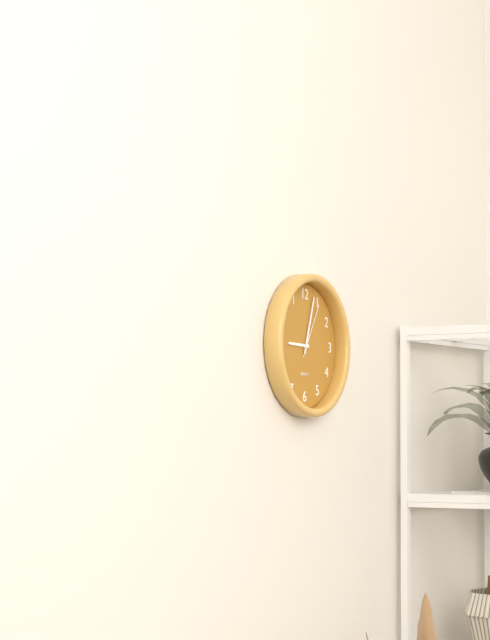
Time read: 9:03:05
